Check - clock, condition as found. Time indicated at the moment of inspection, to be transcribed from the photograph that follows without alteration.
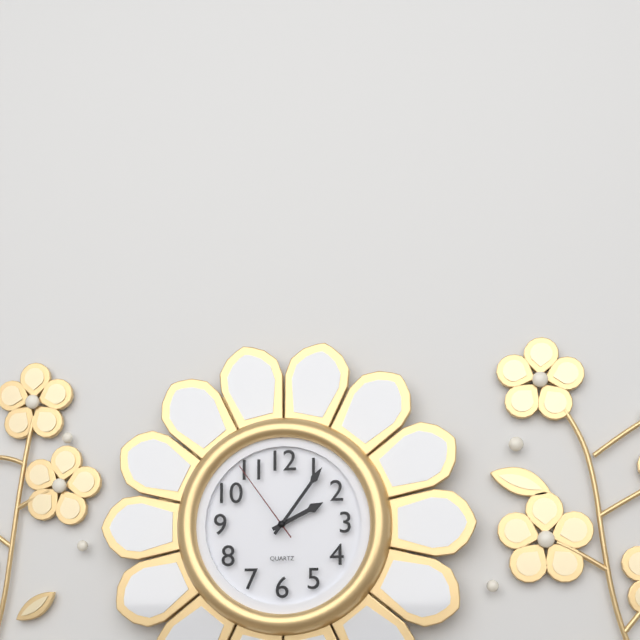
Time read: 2:06:54
